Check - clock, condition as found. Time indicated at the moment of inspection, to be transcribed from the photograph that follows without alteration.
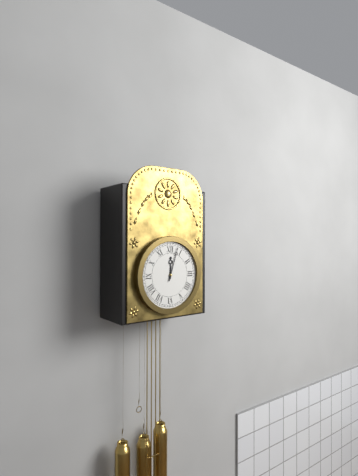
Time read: 12:03
